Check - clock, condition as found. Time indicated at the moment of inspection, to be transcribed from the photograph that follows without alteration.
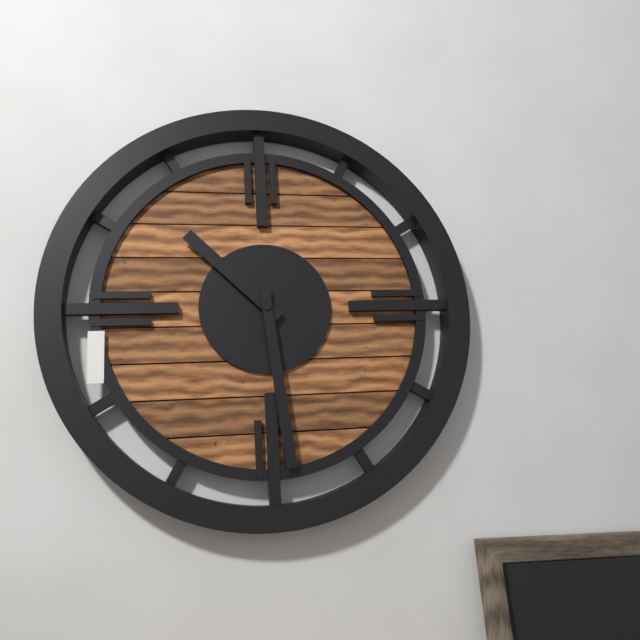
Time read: 10:29
